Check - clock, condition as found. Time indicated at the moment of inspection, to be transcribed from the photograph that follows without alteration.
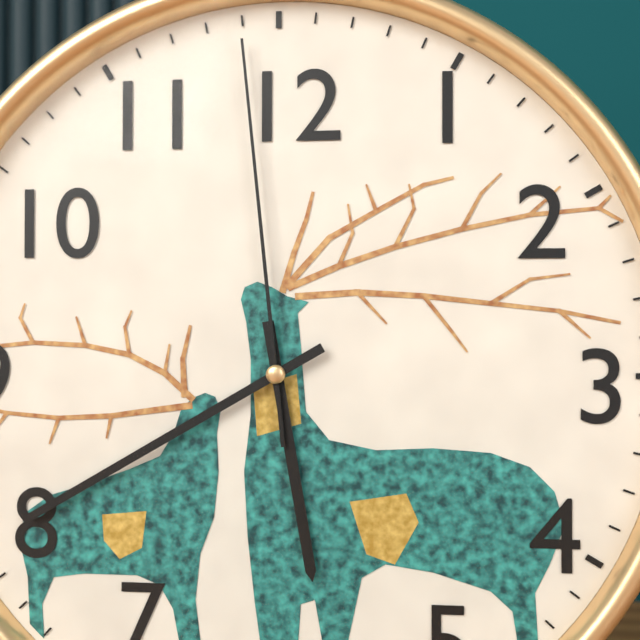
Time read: 5:40:59
